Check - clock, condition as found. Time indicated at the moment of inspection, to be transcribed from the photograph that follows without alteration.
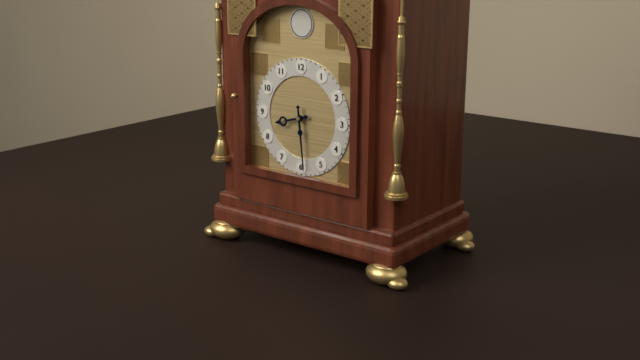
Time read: 8:29
